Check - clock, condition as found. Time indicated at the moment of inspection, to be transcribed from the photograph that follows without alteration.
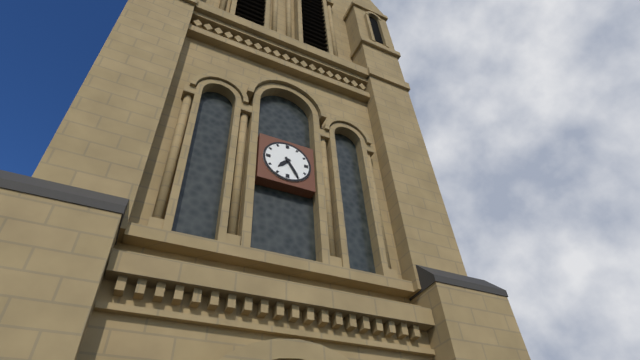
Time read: 7:25
